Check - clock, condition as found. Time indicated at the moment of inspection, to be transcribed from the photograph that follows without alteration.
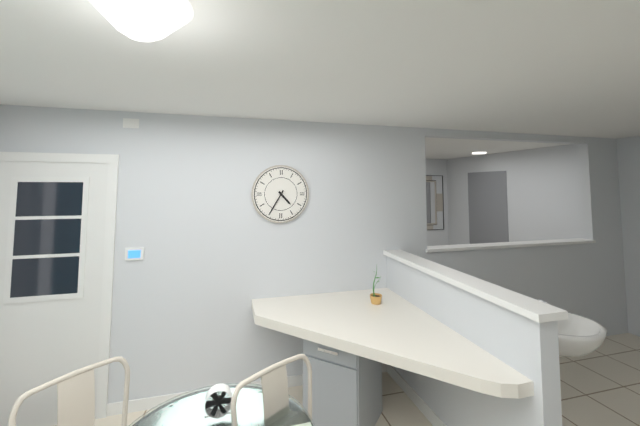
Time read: 4:35
